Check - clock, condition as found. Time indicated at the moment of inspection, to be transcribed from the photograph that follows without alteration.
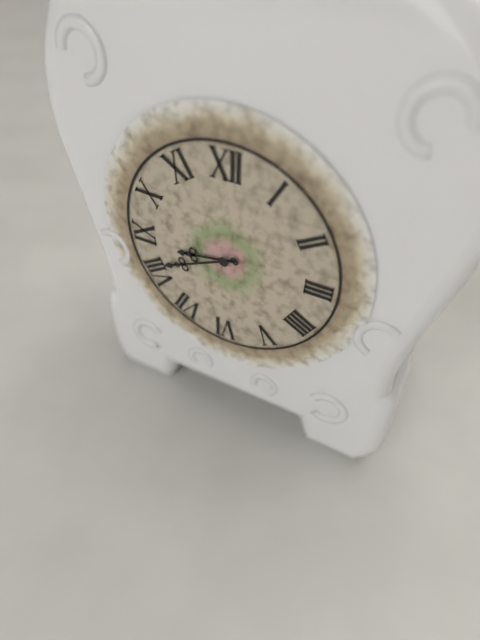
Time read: 8:41
